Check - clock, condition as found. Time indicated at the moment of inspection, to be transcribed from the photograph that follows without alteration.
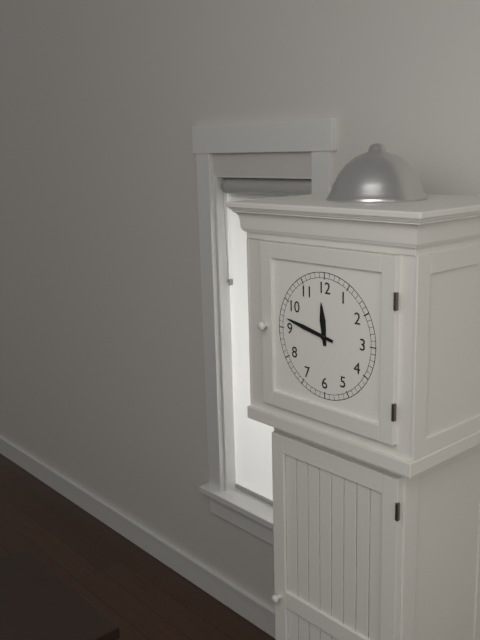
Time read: 11:47
